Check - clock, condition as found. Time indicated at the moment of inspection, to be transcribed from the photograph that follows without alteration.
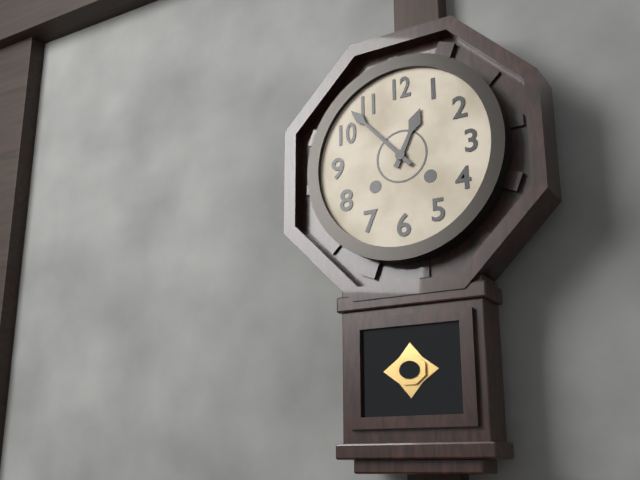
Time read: 12:53
